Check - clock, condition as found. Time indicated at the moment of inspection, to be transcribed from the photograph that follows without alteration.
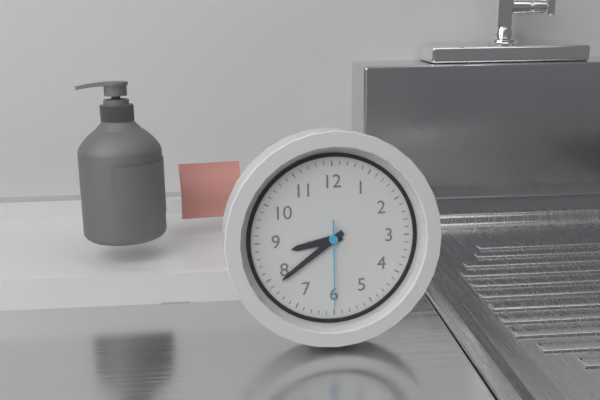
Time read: 8:39:30
